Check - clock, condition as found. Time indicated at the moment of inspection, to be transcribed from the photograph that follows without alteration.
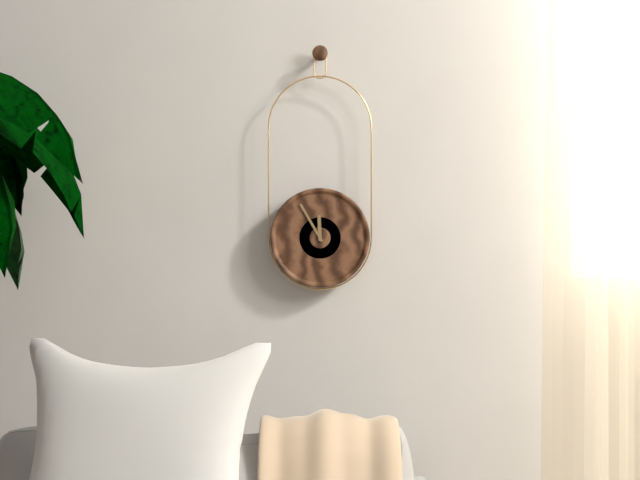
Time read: 11:55
